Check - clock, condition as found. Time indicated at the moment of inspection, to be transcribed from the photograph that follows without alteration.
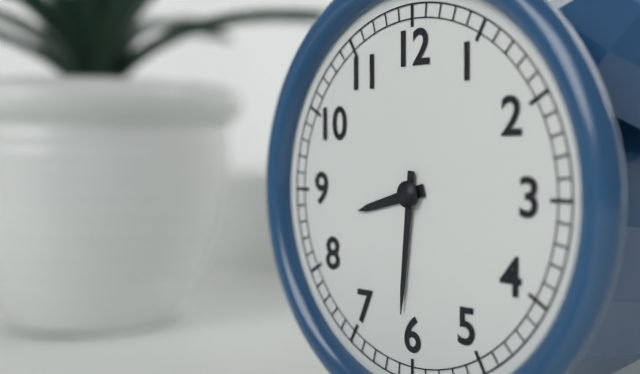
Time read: 8:31
